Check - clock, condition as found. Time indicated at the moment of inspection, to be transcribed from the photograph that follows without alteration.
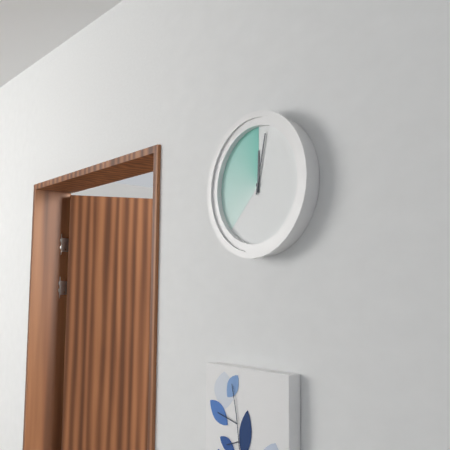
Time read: 12:02
